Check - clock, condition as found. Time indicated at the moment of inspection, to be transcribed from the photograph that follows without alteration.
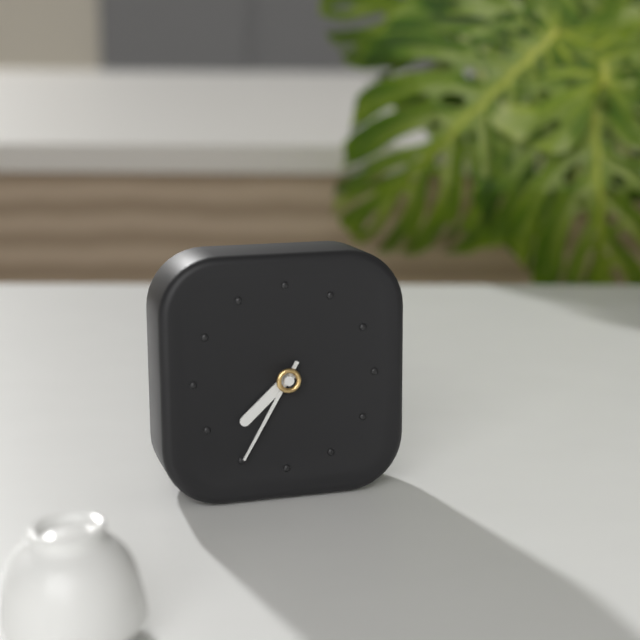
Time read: 7:35
